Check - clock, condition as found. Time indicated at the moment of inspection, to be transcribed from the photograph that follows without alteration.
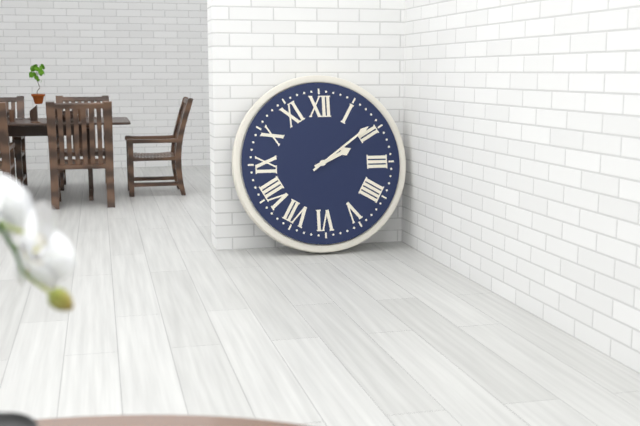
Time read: 2:09
